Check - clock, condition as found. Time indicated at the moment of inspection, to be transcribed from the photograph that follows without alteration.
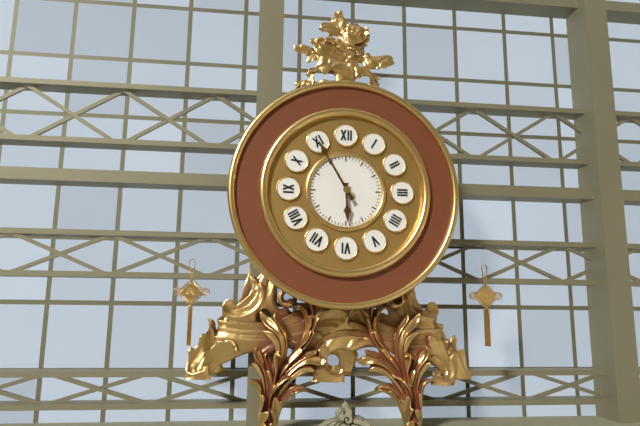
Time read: 5:55
